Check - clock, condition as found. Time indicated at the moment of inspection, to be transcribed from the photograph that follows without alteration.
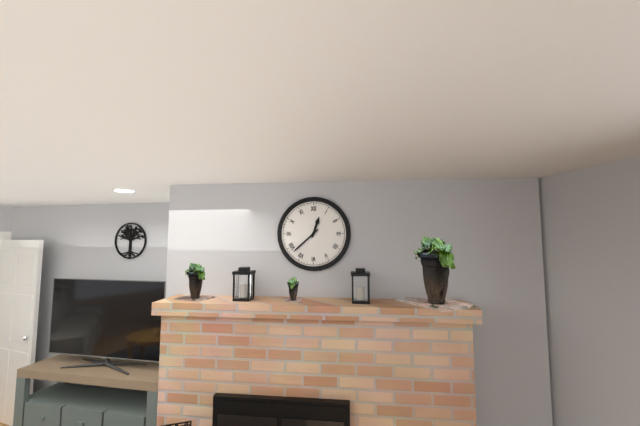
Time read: 12:38
